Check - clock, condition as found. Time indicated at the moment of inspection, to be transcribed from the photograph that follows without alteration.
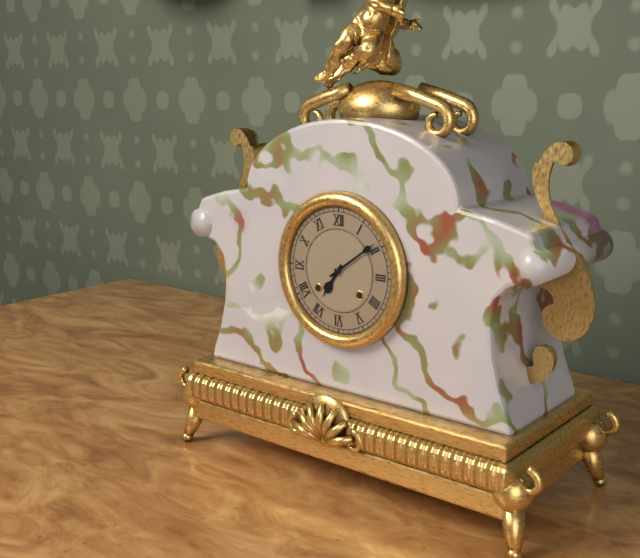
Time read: 7:09
